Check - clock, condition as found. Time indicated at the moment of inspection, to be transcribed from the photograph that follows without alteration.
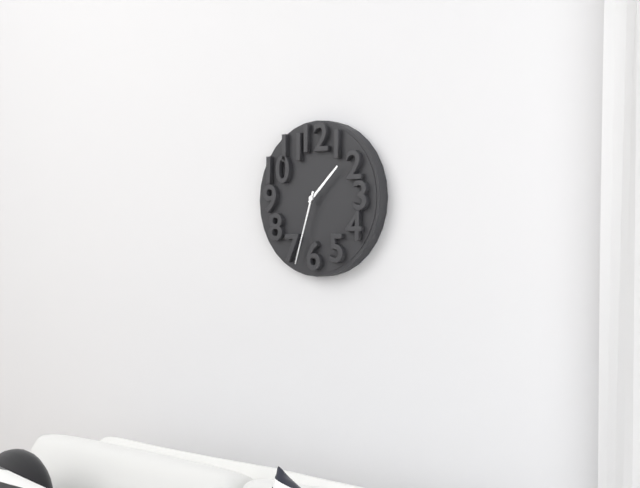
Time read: 1:33
